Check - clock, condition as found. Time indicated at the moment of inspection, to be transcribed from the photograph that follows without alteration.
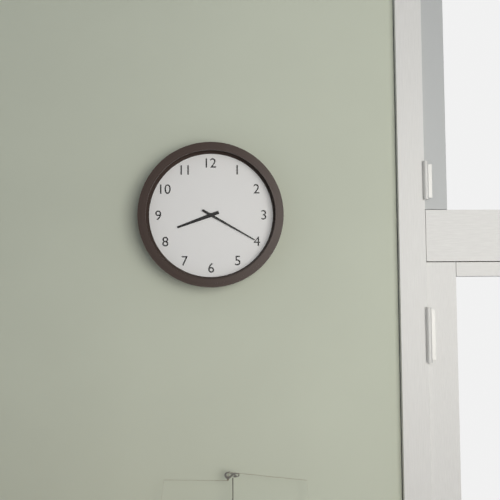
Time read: 8:20
